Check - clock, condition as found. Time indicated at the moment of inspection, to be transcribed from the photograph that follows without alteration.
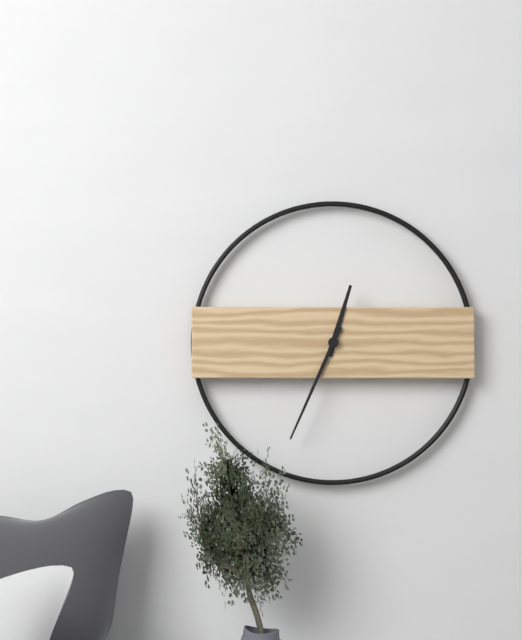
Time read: 12:34
